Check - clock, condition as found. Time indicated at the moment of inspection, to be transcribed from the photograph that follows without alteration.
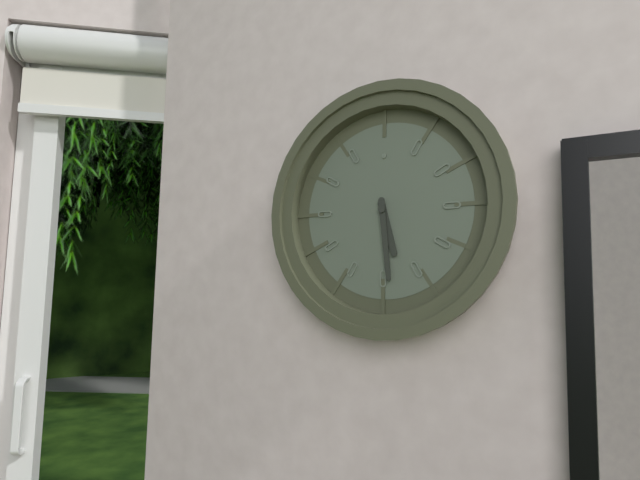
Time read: 5:29
